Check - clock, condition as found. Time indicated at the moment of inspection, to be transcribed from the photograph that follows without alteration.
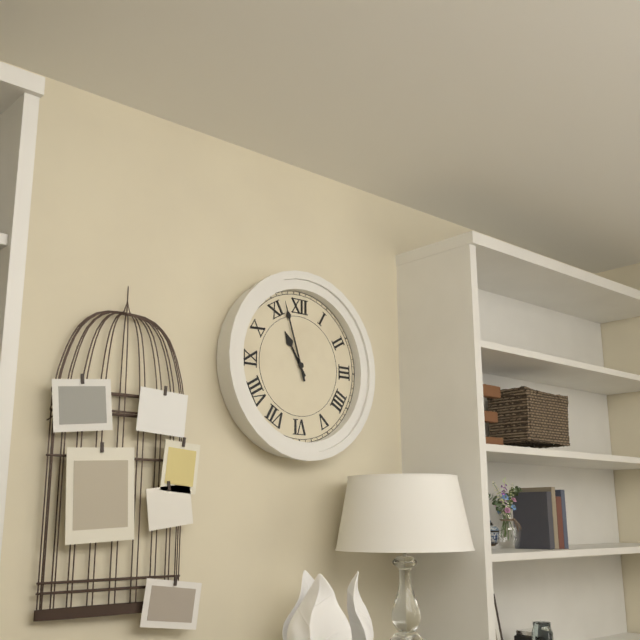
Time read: 10:57
